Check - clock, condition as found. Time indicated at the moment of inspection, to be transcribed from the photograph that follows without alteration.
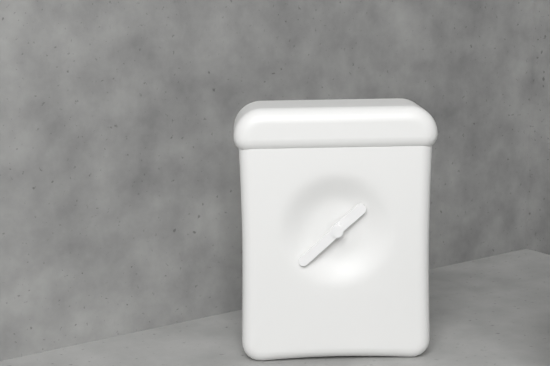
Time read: 1:38
